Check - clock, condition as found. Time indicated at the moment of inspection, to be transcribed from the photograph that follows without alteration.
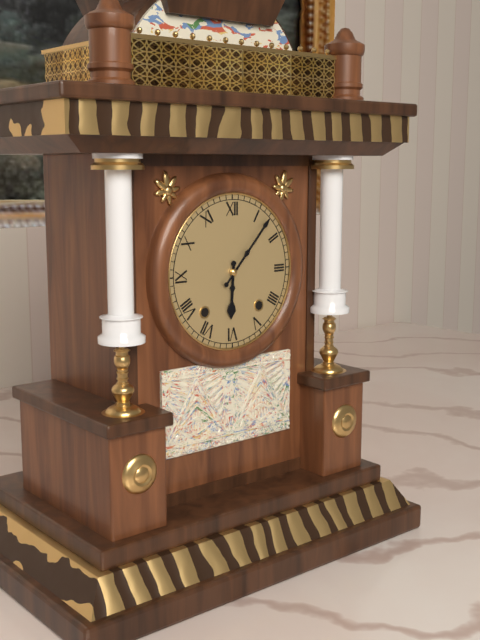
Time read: 6:07
